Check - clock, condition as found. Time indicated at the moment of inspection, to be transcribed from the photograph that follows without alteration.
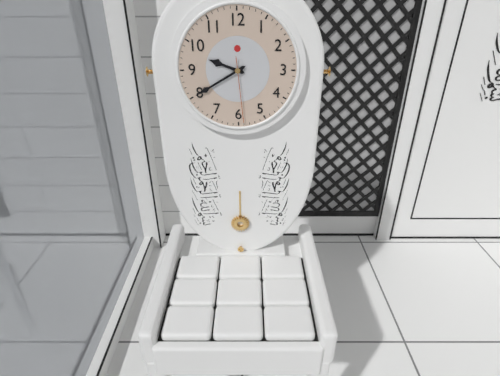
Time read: 9:40:29
